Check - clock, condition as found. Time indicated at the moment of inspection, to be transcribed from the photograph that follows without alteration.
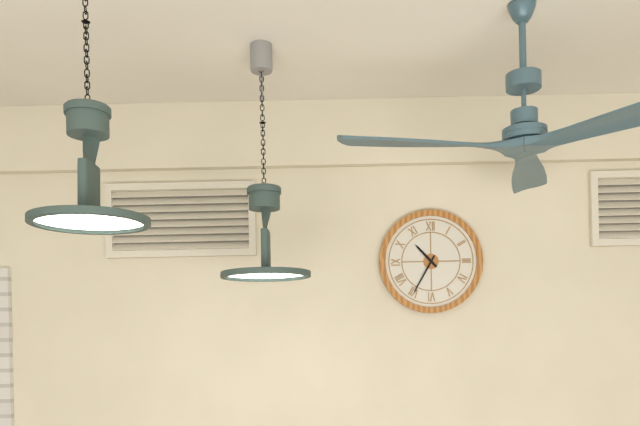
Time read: 10:35
